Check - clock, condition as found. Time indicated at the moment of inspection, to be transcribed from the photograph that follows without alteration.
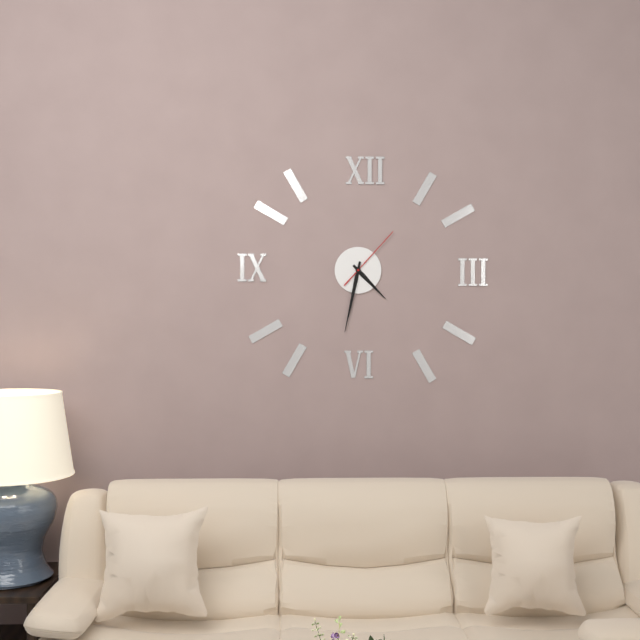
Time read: 4:32:07
